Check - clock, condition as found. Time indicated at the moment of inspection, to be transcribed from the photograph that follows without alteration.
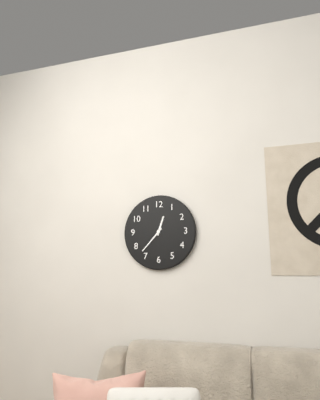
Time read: 12:37
